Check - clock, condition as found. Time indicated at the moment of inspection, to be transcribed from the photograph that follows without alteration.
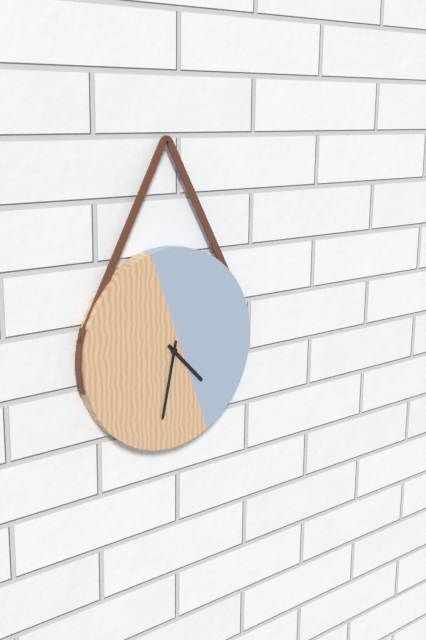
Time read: 4:32
